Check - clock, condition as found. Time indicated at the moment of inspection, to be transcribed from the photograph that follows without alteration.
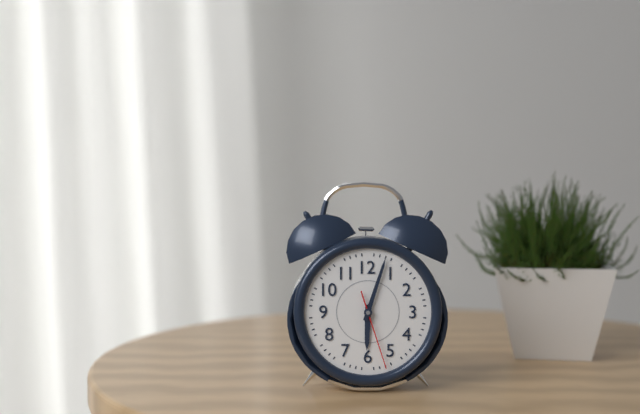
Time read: 6:03:27
